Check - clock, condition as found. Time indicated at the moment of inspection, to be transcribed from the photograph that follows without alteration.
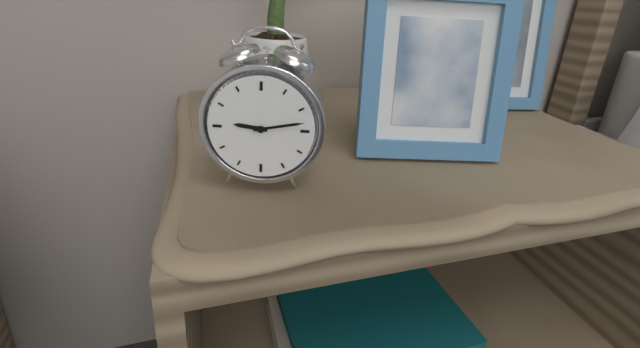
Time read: 9:13
